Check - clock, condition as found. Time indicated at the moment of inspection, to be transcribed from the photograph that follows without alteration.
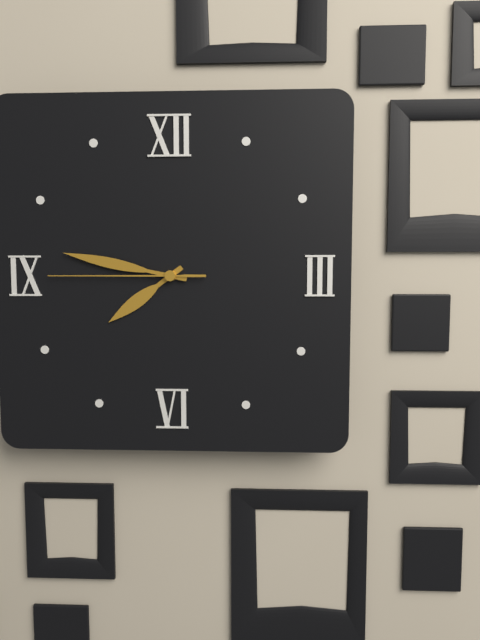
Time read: 7:47:45
